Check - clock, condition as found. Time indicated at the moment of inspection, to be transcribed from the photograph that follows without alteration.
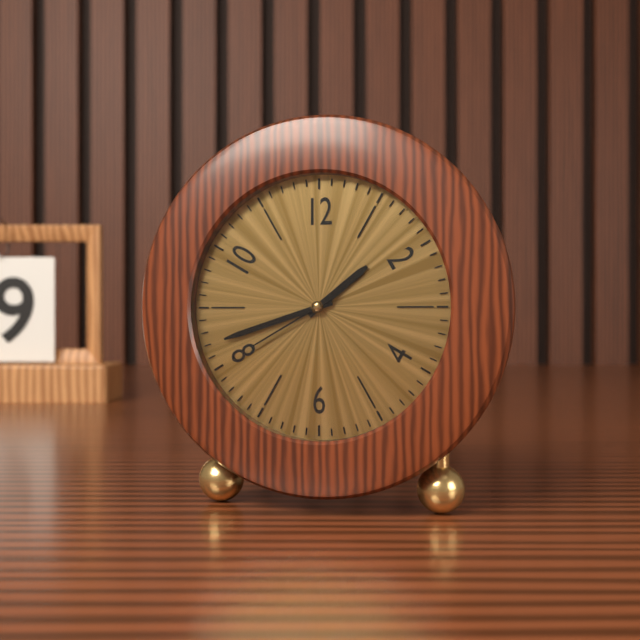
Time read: 1:42:40
